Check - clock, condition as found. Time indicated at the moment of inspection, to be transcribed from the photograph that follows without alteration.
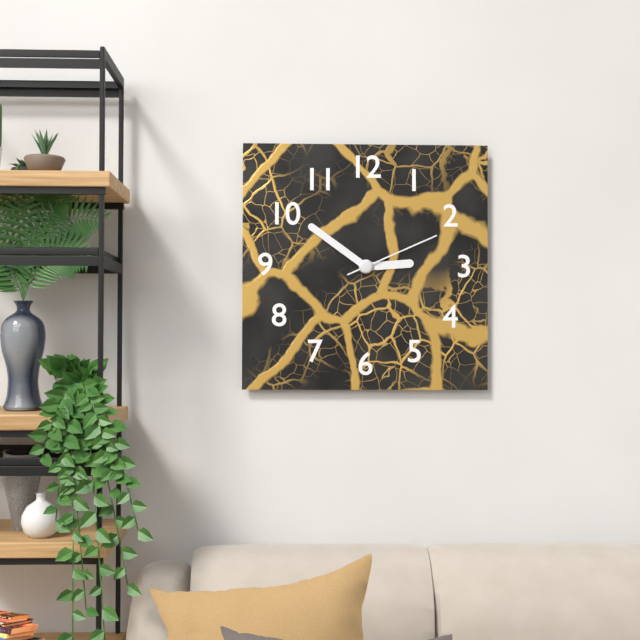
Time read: 2:51:11
